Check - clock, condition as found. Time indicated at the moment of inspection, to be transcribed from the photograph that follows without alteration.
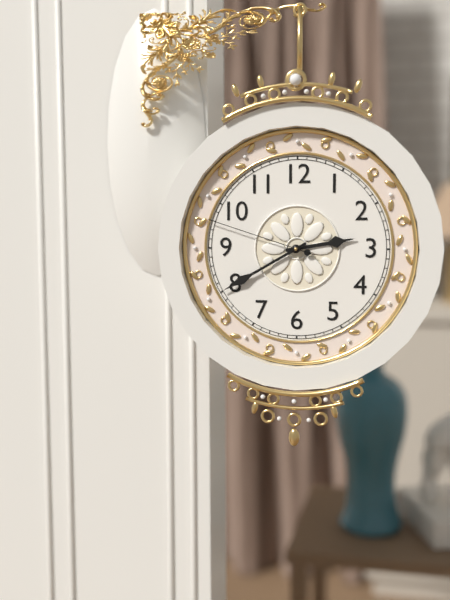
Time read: 2:40:48
